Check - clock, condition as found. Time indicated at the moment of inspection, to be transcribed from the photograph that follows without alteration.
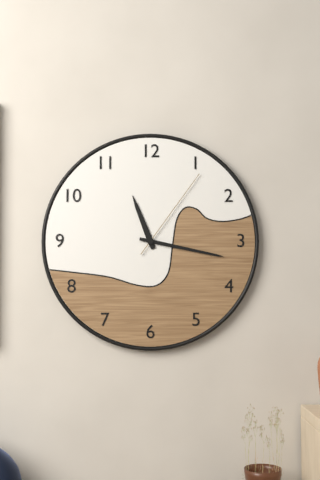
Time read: 11:17:06
